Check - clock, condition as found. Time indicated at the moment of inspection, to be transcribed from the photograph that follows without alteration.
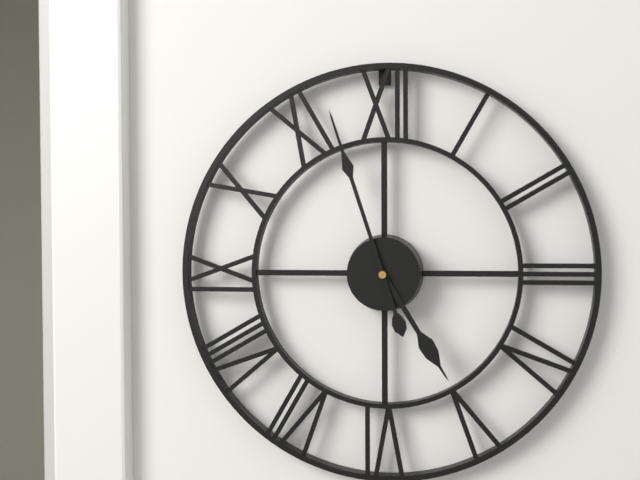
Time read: 4:57
